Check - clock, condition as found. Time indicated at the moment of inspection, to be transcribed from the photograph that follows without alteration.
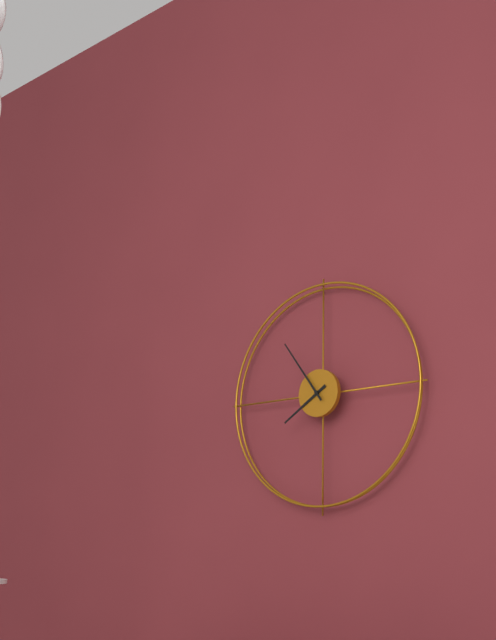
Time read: 7:54
